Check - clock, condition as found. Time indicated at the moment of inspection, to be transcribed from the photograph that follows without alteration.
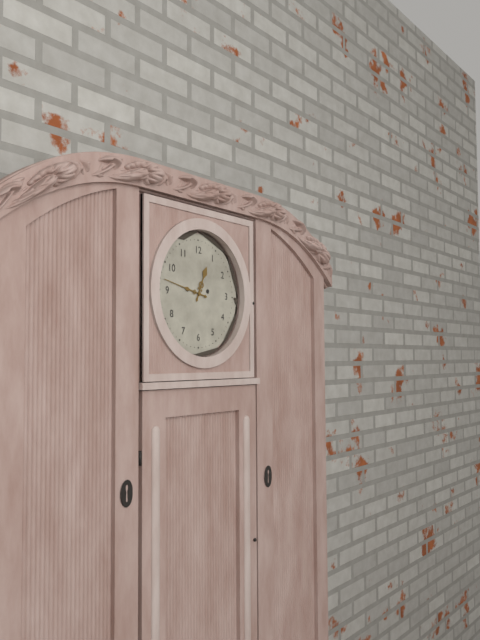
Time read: 12:47
